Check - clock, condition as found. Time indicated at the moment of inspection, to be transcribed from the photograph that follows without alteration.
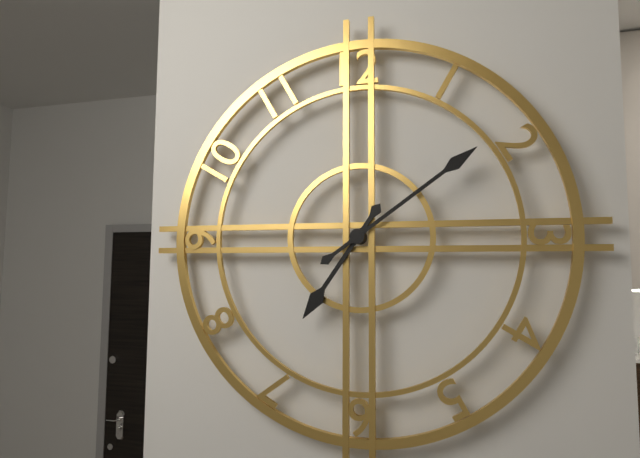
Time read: 7:09
